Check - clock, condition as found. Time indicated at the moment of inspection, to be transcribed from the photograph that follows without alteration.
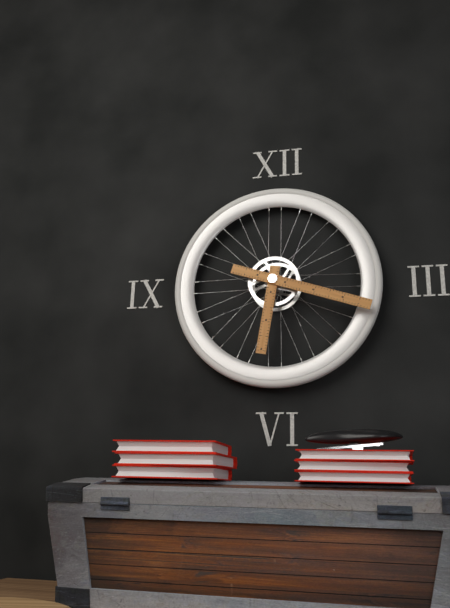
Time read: 6:18
